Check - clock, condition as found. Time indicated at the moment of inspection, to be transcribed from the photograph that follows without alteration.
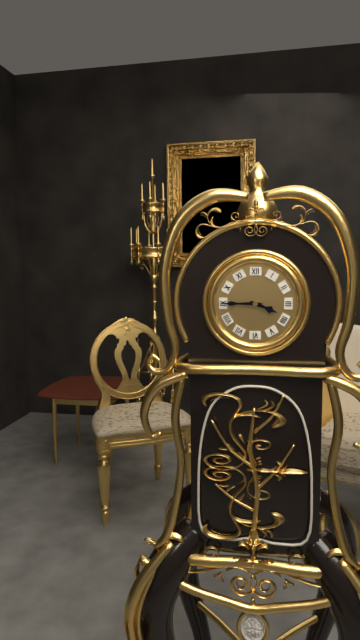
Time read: 3:45
